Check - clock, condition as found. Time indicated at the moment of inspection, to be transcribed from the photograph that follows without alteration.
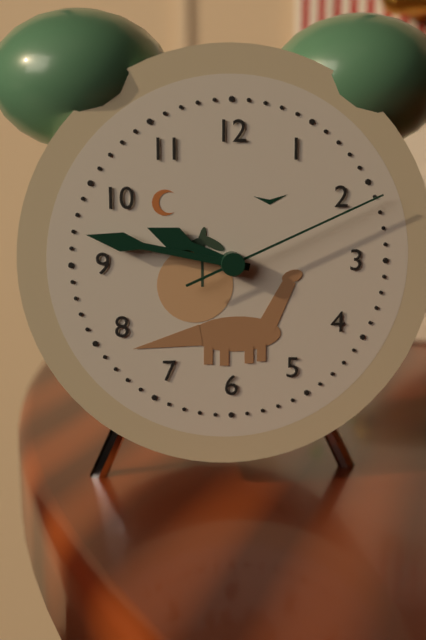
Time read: 9:47:11
